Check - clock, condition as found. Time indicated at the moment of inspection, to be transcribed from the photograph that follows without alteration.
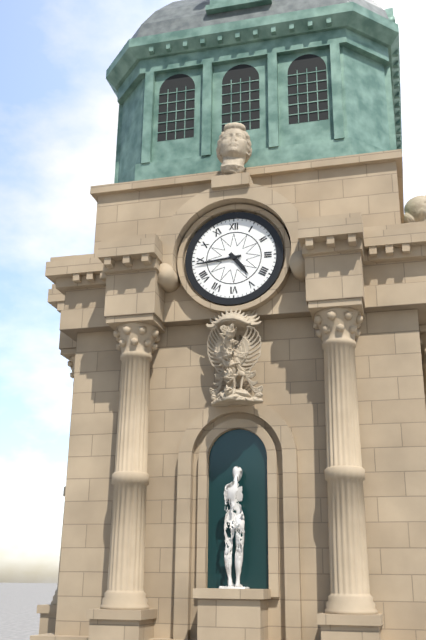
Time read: 4:44
